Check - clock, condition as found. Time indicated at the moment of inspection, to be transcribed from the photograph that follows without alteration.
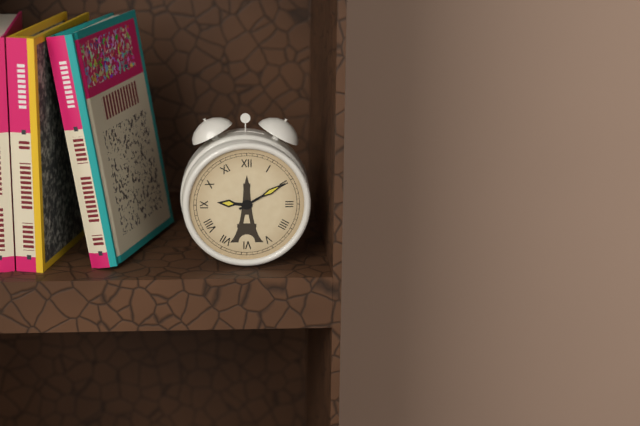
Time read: 9:10
